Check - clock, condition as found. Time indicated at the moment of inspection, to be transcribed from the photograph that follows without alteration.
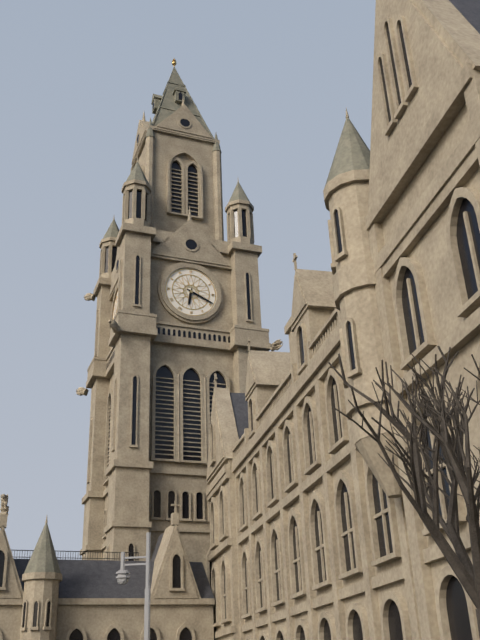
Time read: 6:19
